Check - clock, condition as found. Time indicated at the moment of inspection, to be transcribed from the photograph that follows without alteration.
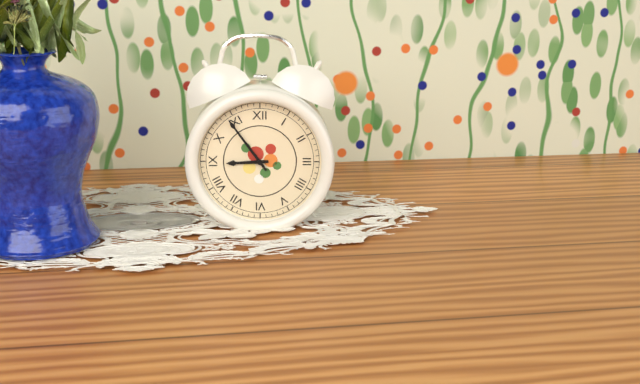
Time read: 8:54
